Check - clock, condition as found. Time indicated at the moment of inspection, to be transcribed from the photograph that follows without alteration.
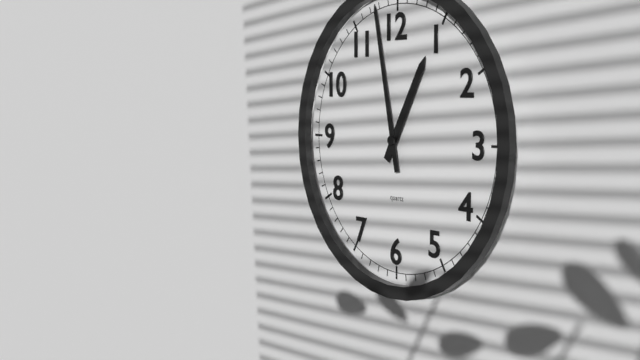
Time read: 12:58
